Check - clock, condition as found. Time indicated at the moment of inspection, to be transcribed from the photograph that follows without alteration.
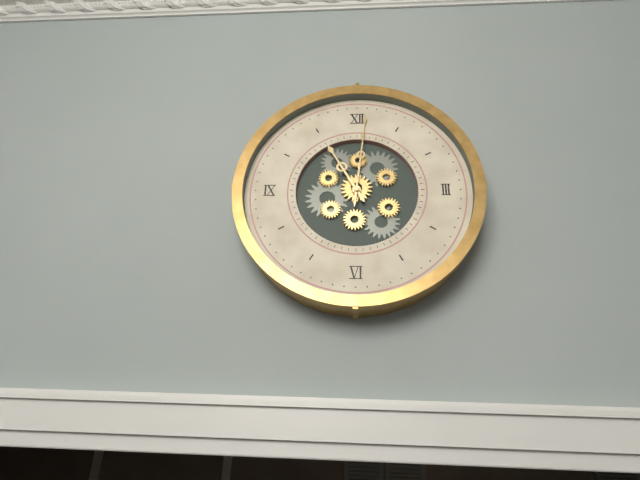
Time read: 11:01
